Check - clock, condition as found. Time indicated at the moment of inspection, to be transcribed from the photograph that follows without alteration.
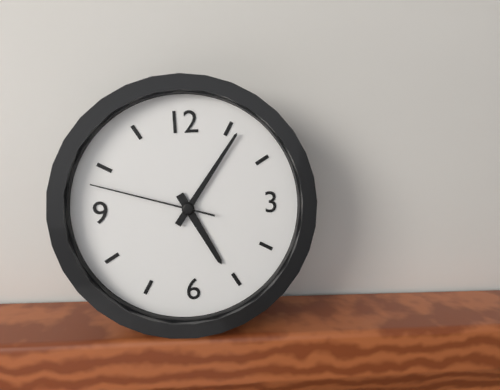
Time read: 5:06:48
